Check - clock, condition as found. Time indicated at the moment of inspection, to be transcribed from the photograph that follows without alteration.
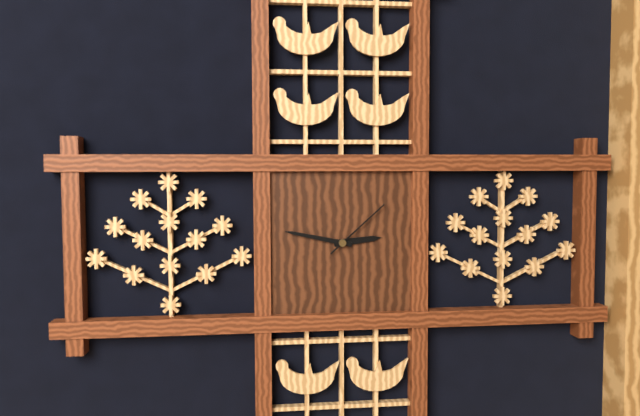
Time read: 2:47:08
